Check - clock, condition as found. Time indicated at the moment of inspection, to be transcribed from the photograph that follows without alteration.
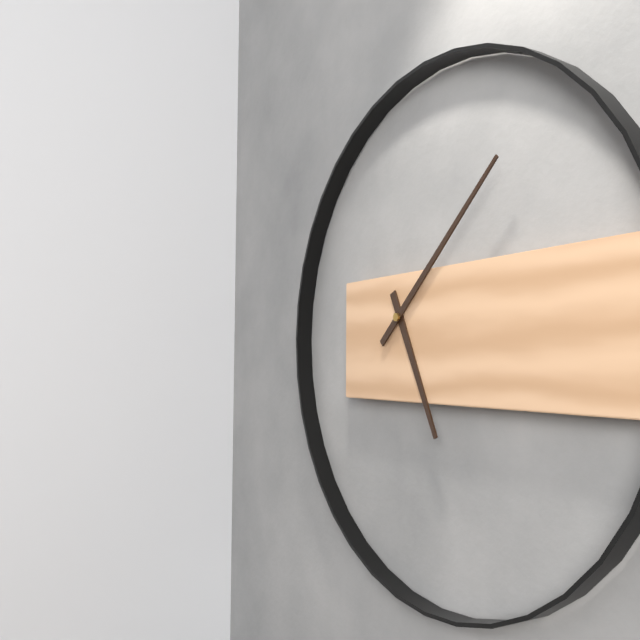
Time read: 5:08
